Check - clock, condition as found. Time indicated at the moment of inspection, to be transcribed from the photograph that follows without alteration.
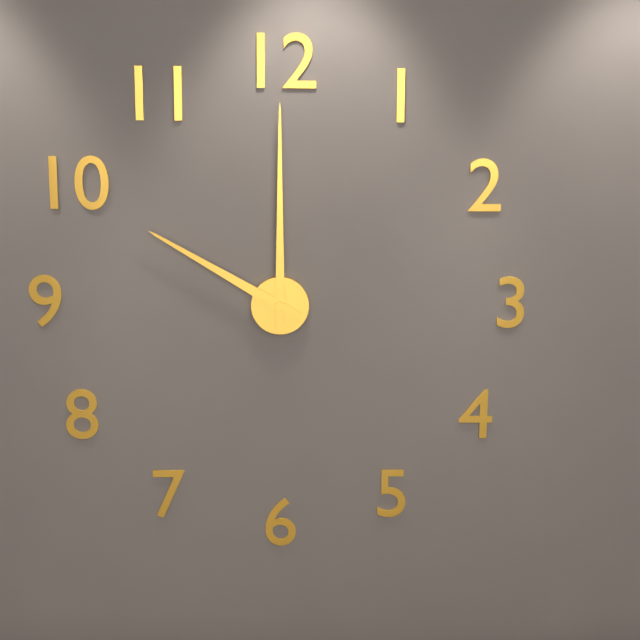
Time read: 10:00
